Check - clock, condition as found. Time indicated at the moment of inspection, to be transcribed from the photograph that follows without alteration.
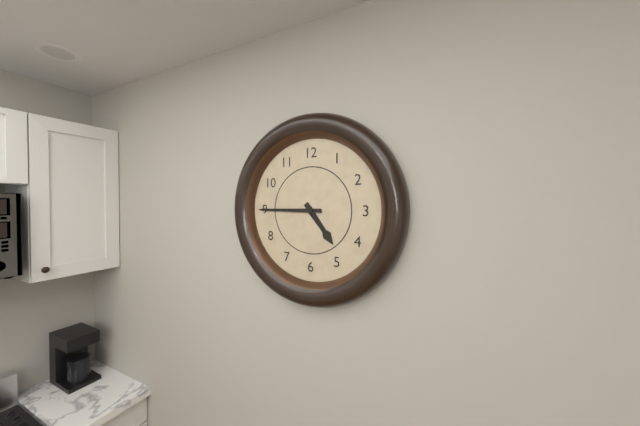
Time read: 4:45
